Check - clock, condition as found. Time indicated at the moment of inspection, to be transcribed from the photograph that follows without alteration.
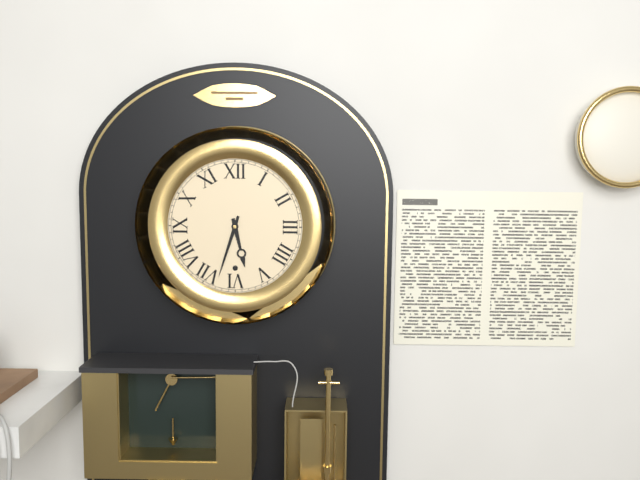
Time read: 5:33
